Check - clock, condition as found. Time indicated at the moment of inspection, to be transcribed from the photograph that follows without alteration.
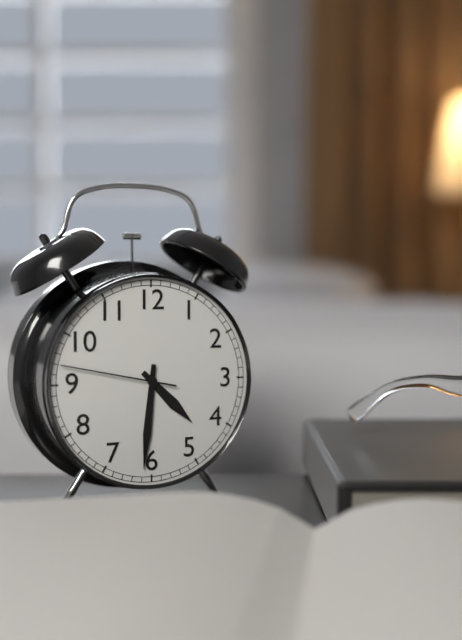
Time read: 4:31:47
